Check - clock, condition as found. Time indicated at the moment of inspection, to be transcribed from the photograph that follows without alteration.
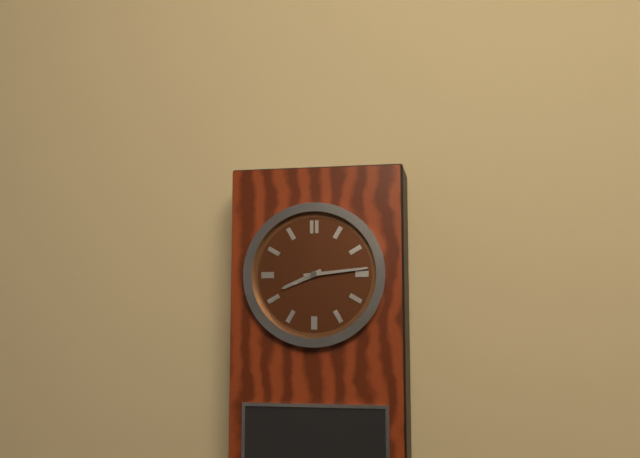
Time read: 8:14
